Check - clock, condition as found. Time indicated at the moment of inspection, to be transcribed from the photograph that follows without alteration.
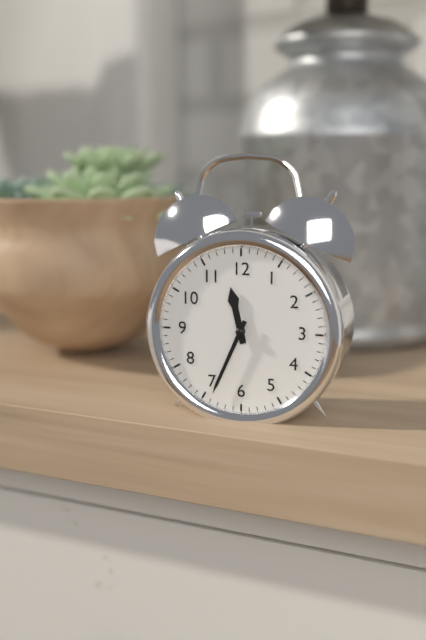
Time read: 11:34
